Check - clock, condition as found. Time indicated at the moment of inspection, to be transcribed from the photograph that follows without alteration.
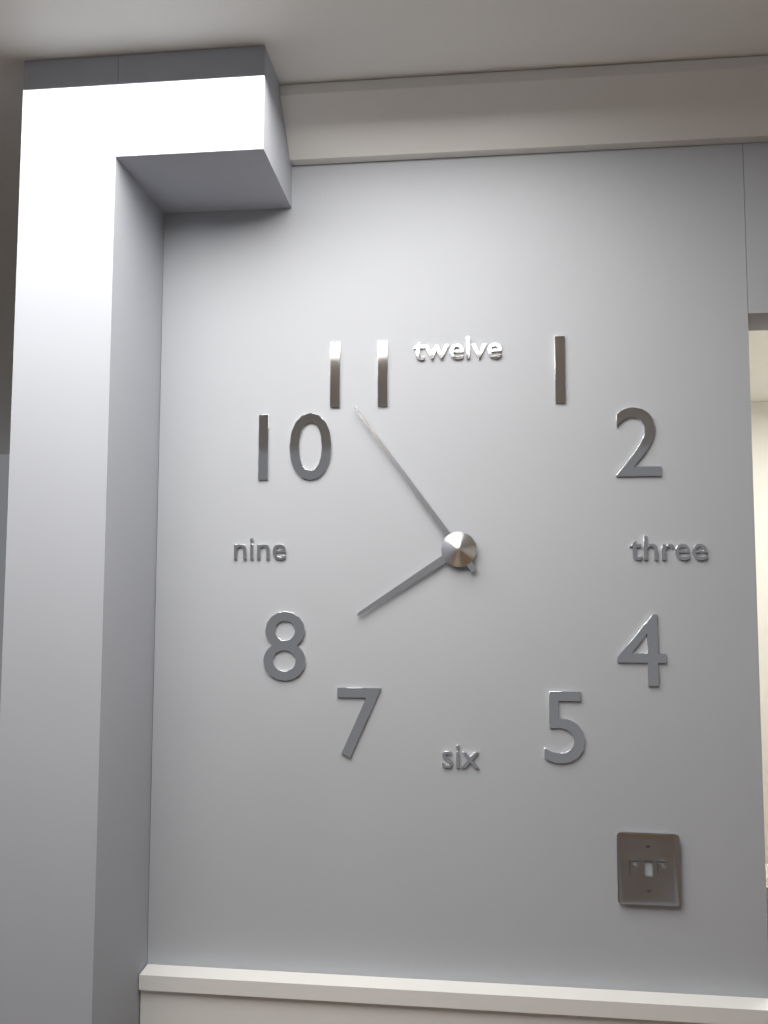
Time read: 7:54
